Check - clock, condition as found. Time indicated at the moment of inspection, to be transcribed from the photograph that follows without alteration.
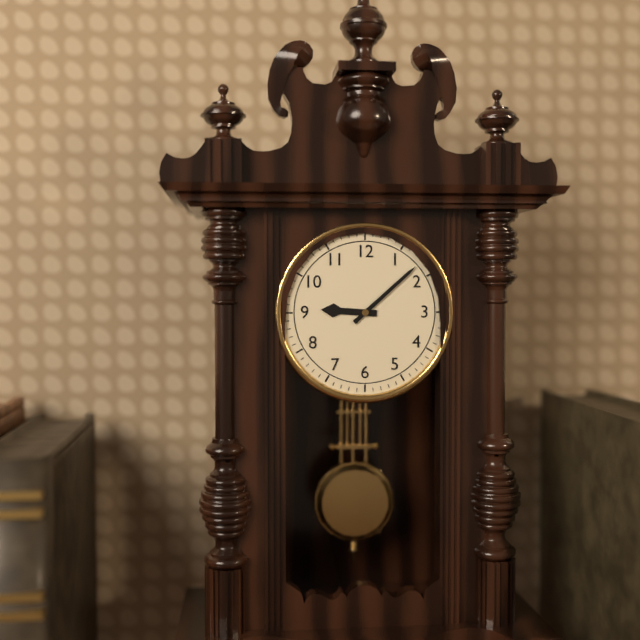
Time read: 9:08
